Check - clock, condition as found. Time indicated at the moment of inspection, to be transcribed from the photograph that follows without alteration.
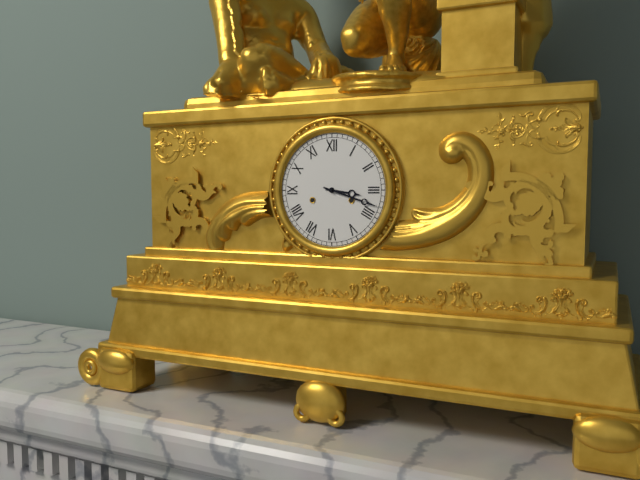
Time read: 3:18
